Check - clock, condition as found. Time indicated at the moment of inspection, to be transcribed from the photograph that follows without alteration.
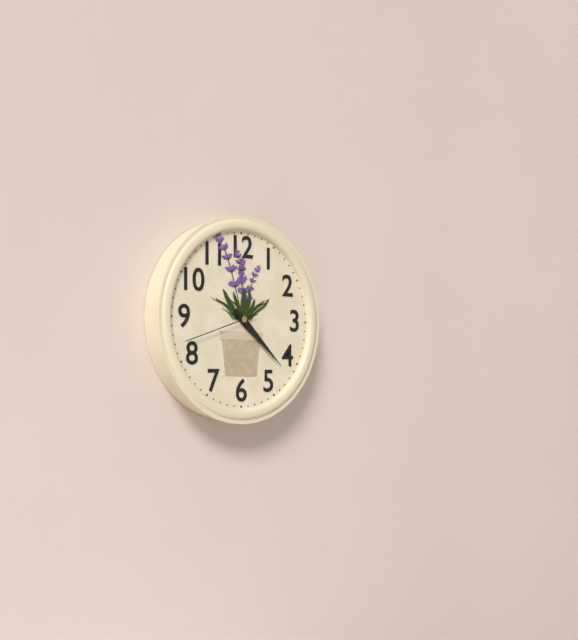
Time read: 4:22:42
